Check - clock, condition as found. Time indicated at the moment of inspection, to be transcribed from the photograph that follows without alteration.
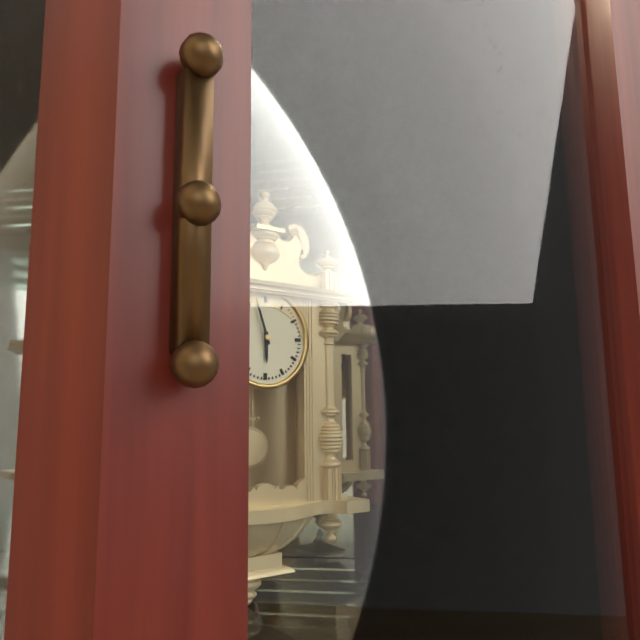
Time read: 5:57
